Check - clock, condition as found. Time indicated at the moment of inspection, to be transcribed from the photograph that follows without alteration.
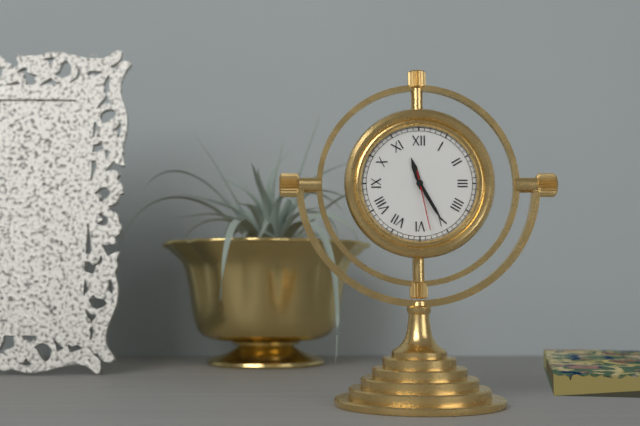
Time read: 11:25:28
